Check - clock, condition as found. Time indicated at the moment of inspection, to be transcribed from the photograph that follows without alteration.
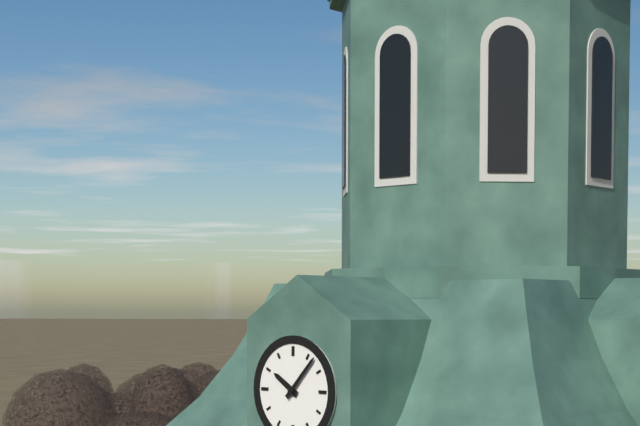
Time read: 10:07
